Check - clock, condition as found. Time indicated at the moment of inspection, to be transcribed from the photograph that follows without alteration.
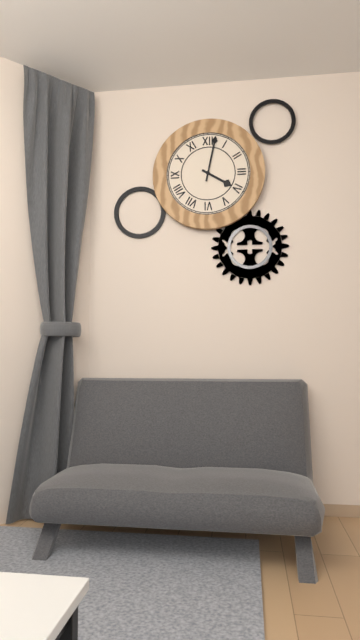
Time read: 4:02
